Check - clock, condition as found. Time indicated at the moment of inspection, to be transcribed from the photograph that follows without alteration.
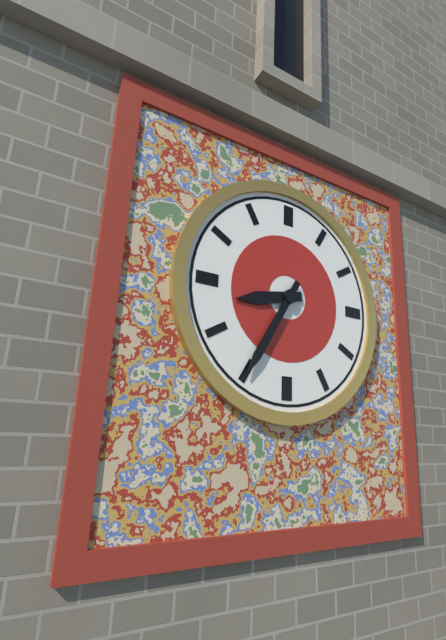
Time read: 8:35
